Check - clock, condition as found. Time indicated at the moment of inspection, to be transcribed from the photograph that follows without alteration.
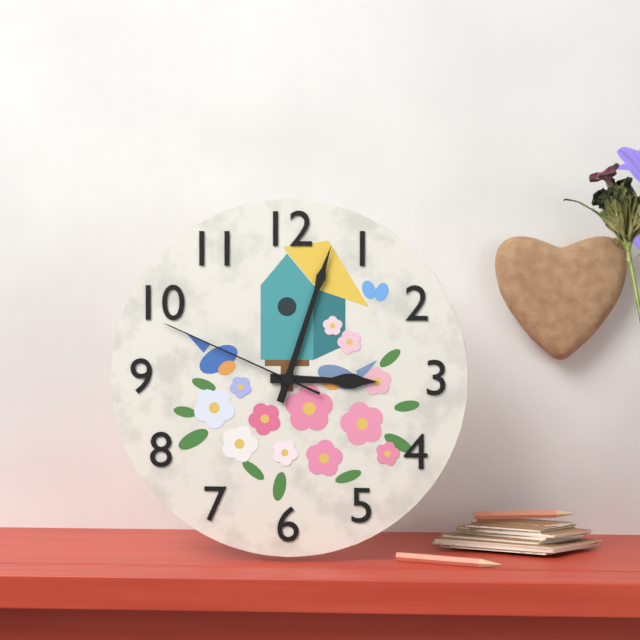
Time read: 3:03:49
